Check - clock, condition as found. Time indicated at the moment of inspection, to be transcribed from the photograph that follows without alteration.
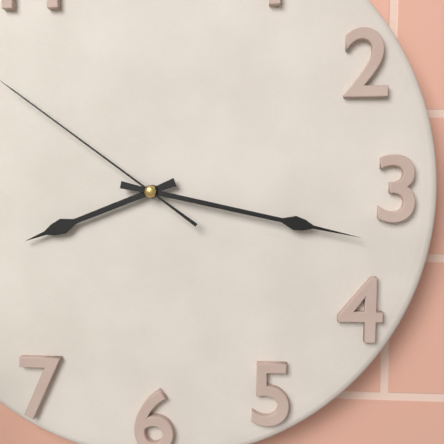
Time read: 8:17
